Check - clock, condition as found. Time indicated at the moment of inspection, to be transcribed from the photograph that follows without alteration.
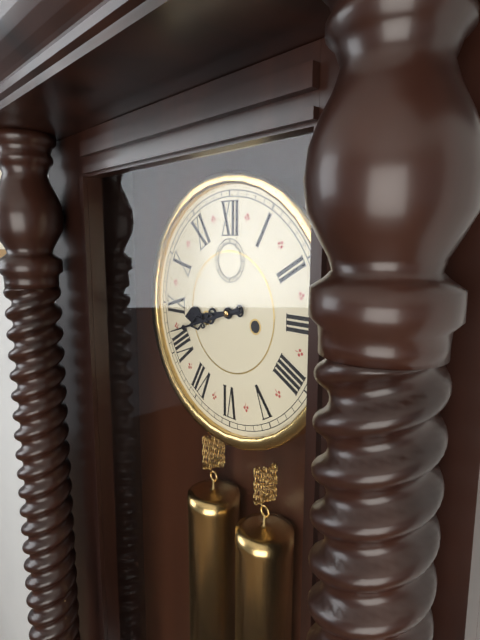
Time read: 8:42
